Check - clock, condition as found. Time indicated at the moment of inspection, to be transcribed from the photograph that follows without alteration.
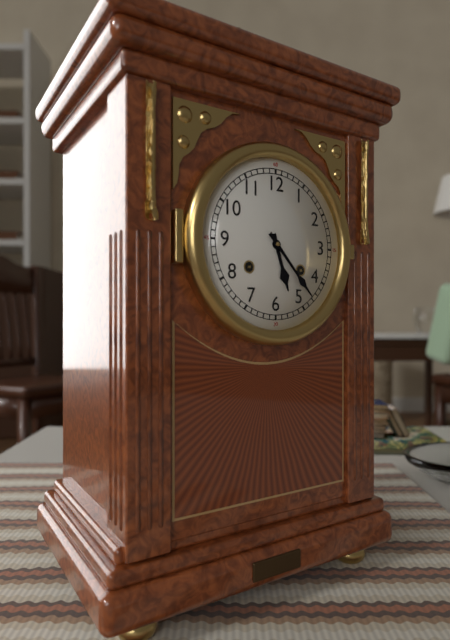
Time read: 5:23
